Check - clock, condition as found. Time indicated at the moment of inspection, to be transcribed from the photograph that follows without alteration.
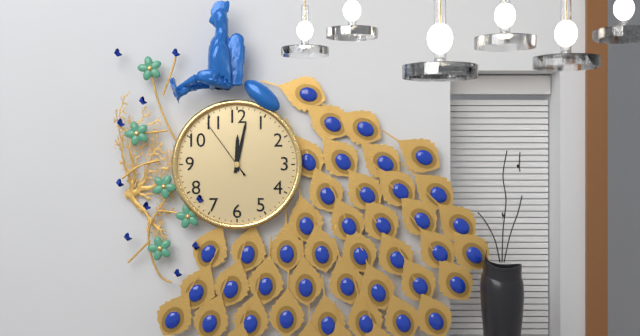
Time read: 12:02:54
